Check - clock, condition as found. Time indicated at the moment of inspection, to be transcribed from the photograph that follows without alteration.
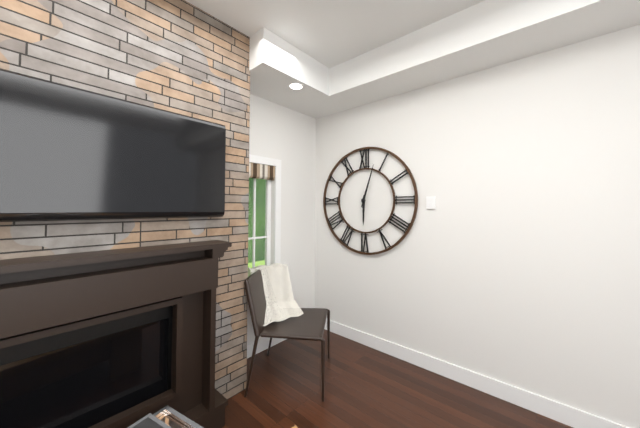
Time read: 6:03
